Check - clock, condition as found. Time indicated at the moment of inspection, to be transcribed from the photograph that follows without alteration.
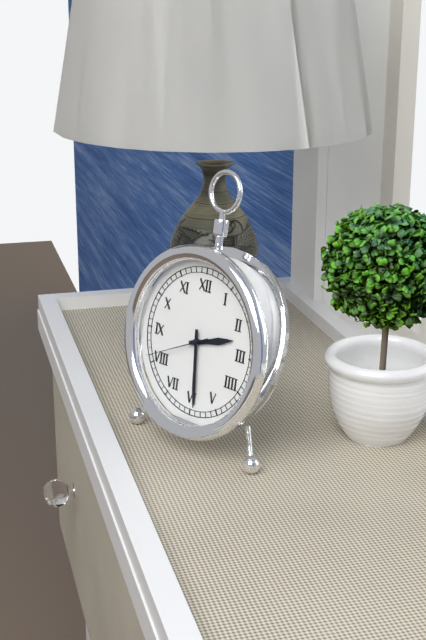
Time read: 2:29:41
